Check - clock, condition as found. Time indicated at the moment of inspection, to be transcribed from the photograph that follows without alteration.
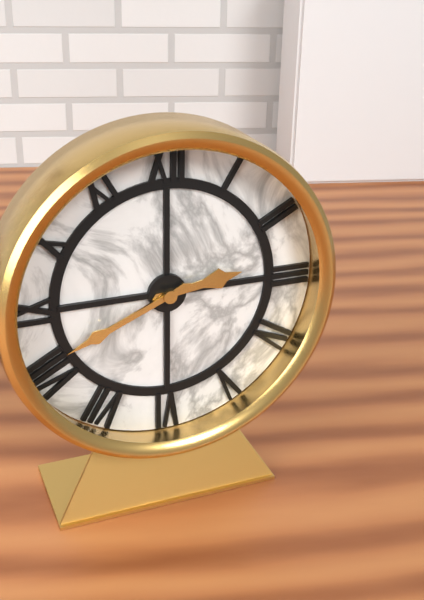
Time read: 2:41
